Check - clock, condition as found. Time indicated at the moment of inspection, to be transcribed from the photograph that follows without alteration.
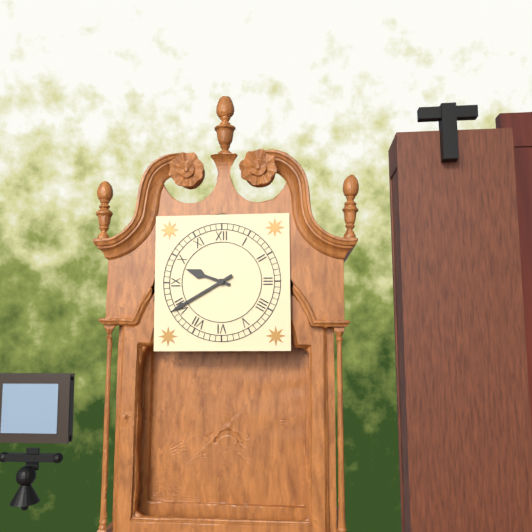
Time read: 9:40
